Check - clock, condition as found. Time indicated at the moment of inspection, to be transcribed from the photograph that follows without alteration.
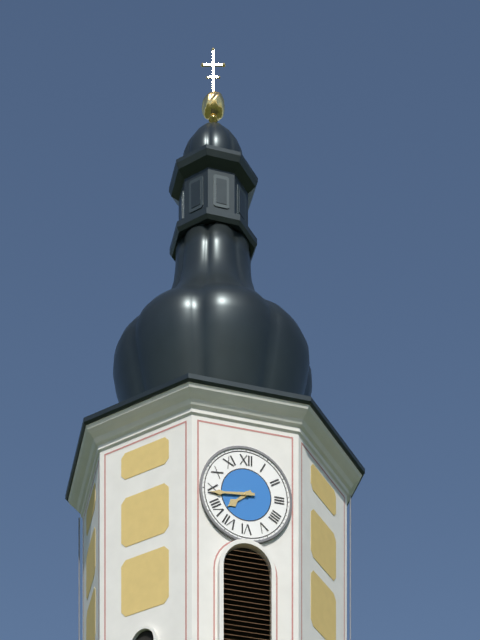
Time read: 7:44
